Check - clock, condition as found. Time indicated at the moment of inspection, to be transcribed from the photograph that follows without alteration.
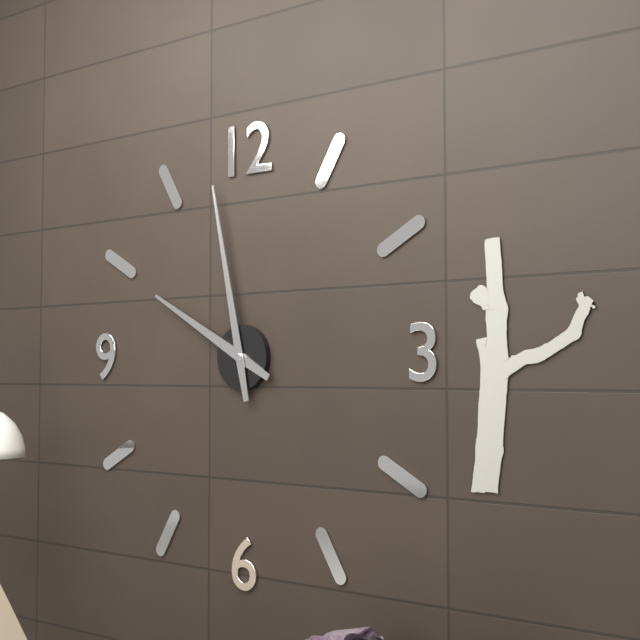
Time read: 9:58
